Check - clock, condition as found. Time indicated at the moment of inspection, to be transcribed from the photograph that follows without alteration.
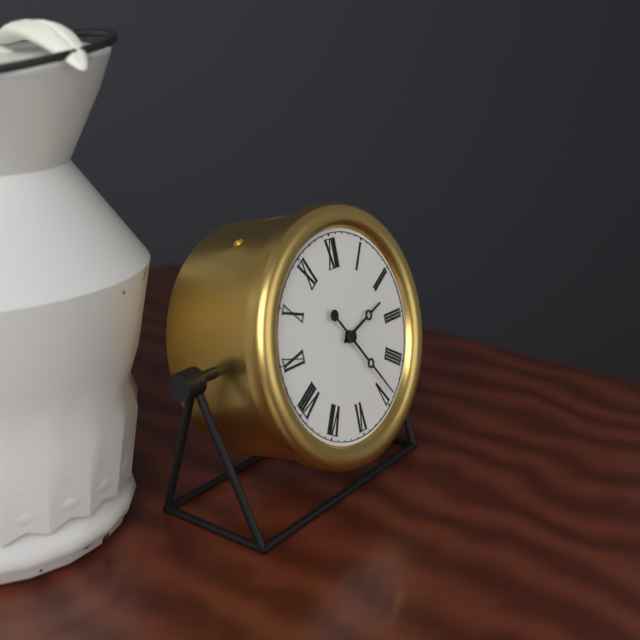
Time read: 2:24
